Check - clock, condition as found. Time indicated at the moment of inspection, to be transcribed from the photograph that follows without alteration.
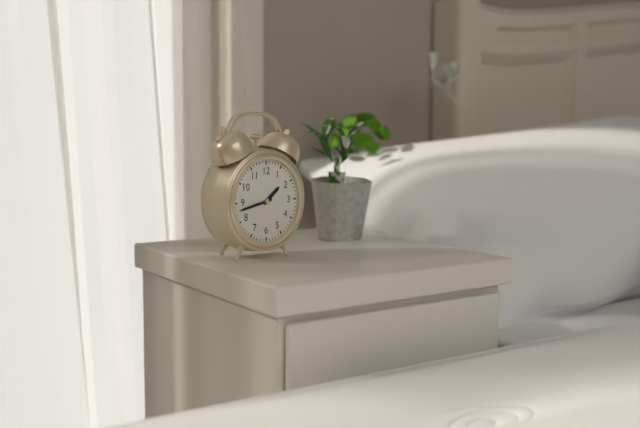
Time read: 1:43
